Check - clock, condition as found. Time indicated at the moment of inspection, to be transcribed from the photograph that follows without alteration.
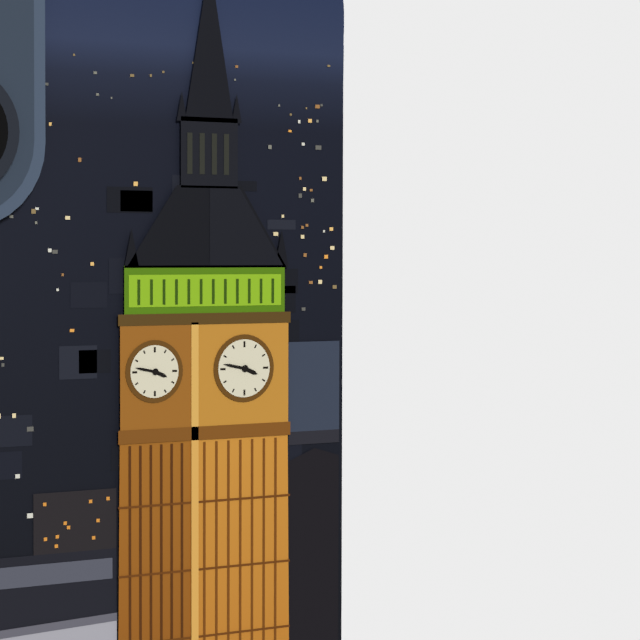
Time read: 3:47
